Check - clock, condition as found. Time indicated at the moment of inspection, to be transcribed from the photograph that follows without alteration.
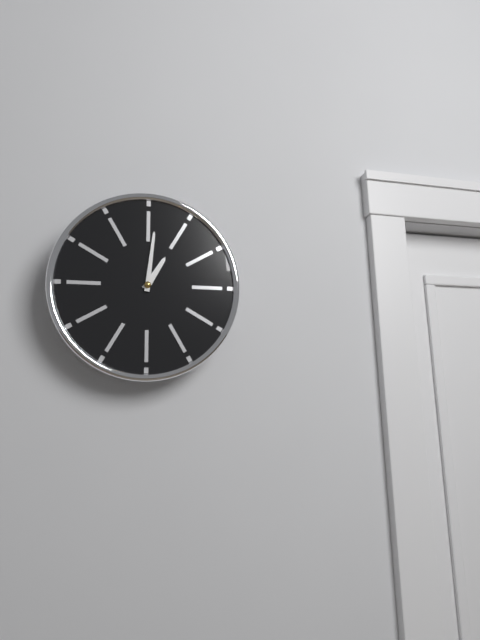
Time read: 1:01
